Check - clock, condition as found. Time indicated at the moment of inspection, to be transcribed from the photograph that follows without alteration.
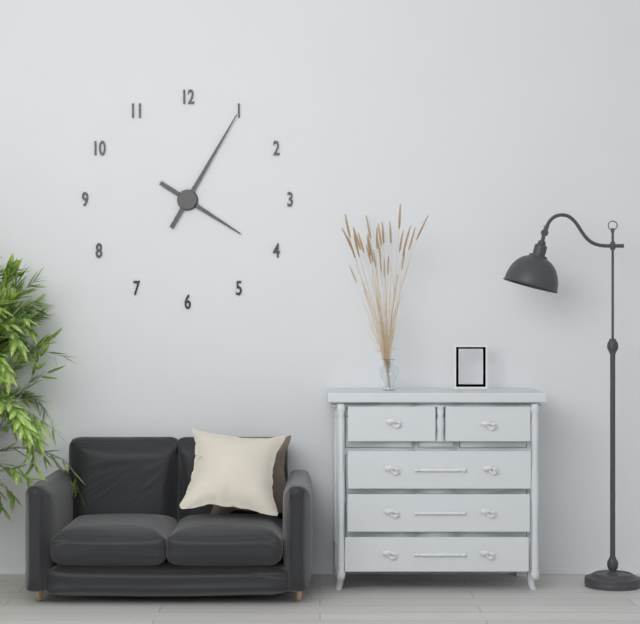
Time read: 4:05
